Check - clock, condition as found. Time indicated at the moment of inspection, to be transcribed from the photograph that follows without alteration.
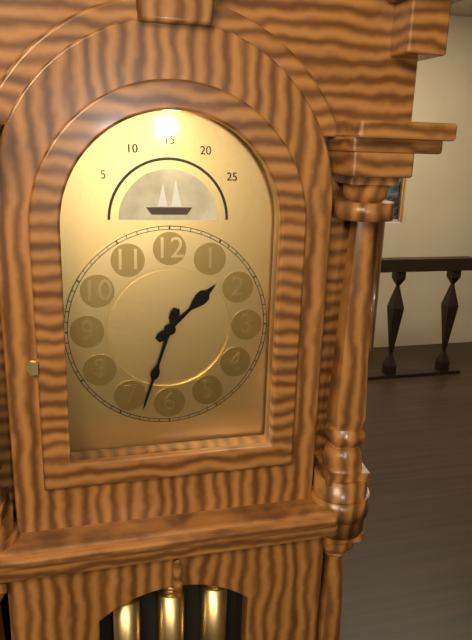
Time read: 1:33
